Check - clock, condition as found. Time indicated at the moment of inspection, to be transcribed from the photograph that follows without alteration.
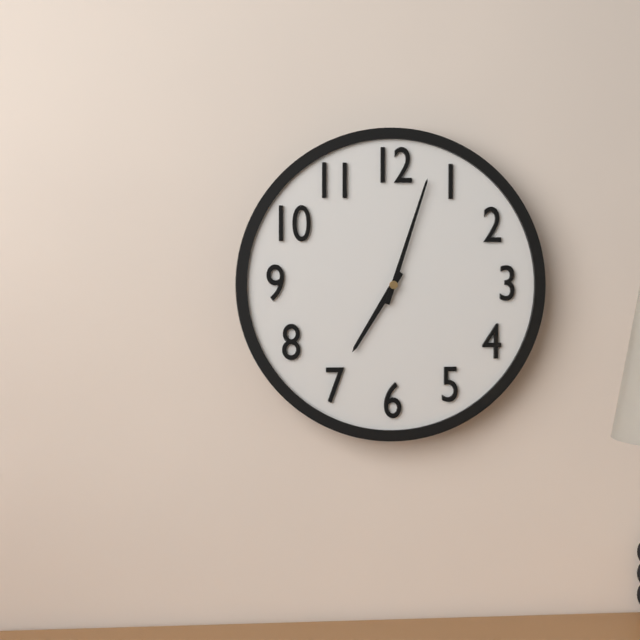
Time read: 7:03
